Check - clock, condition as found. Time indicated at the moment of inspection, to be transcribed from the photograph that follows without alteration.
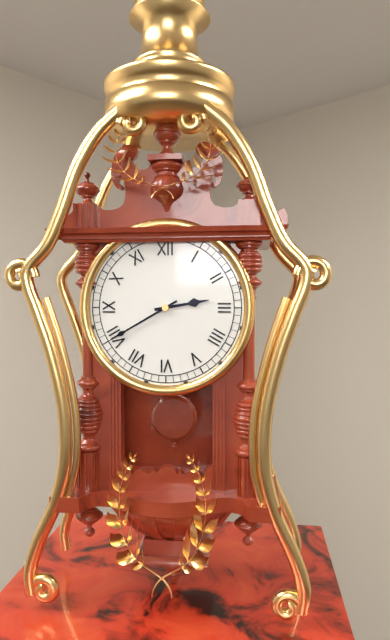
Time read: 2:40
